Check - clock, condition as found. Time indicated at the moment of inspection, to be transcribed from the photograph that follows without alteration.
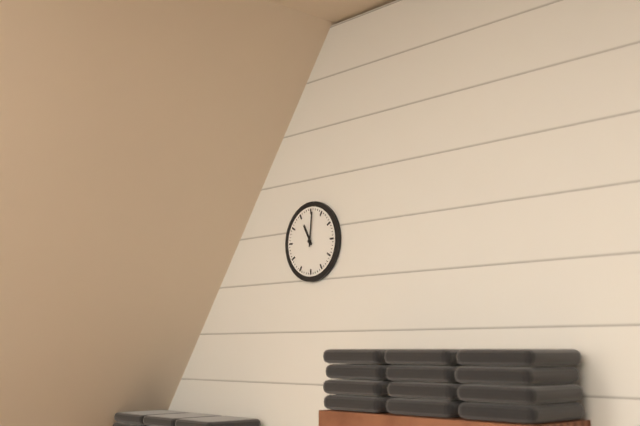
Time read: 11:01
